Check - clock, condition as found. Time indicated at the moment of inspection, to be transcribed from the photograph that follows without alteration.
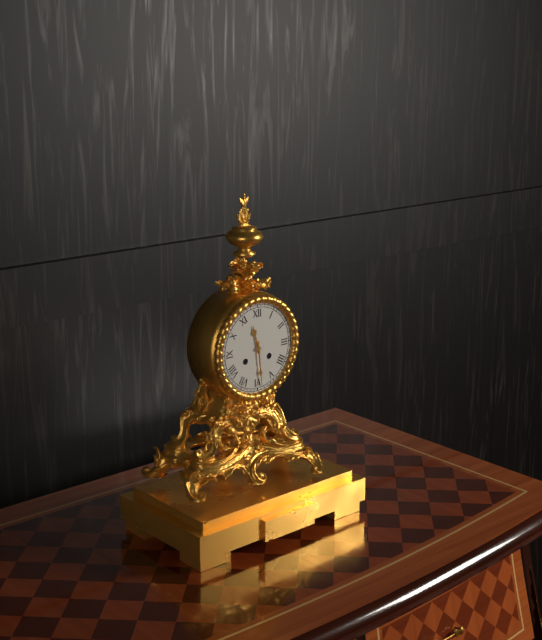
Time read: 11:29
